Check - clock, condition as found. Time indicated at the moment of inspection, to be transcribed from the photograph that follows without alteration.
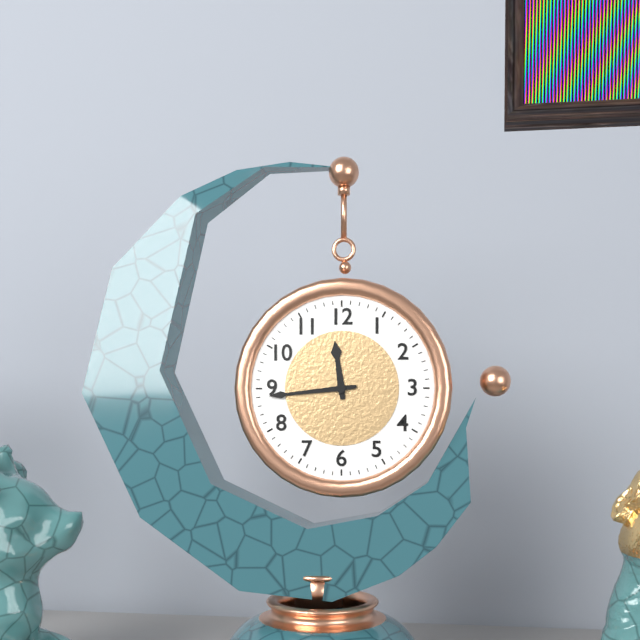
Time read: 11:44
